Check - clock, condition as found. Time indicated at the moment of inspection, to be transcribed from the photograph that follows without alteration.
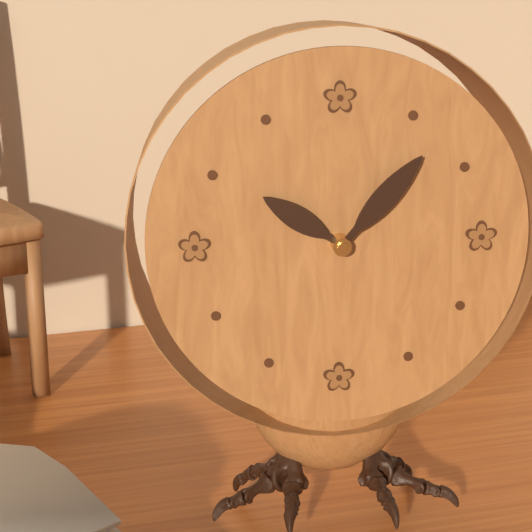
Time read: 10:07
